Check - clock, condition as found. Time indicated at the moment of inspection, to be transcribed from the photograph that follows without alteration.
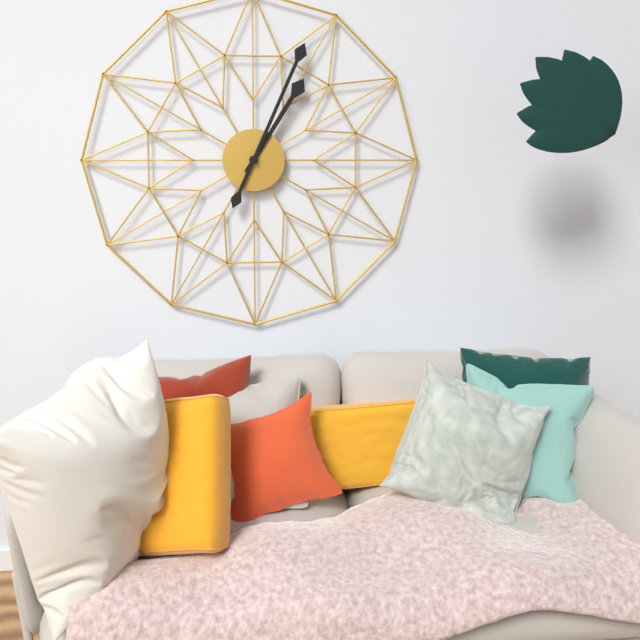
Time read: 1:04
